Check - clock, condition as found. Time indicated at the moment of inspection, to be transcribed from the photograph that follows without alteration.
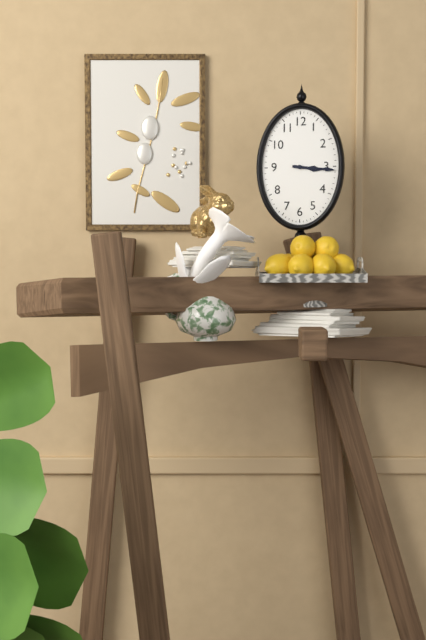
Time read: 3:16
